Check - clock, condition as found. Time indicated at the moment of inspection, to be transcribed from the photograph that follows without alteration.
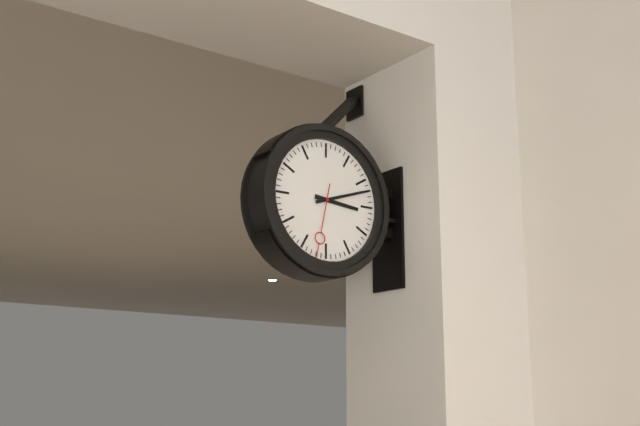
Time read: 3:12:32
